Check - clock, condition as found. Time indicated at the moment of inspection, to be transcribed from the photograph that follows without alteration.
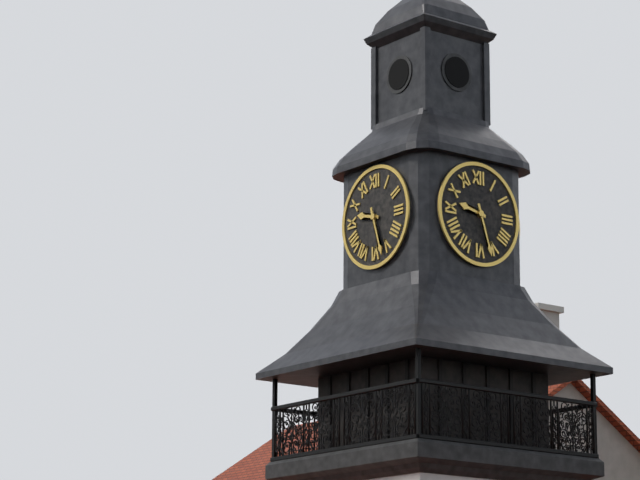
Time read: 9:27
